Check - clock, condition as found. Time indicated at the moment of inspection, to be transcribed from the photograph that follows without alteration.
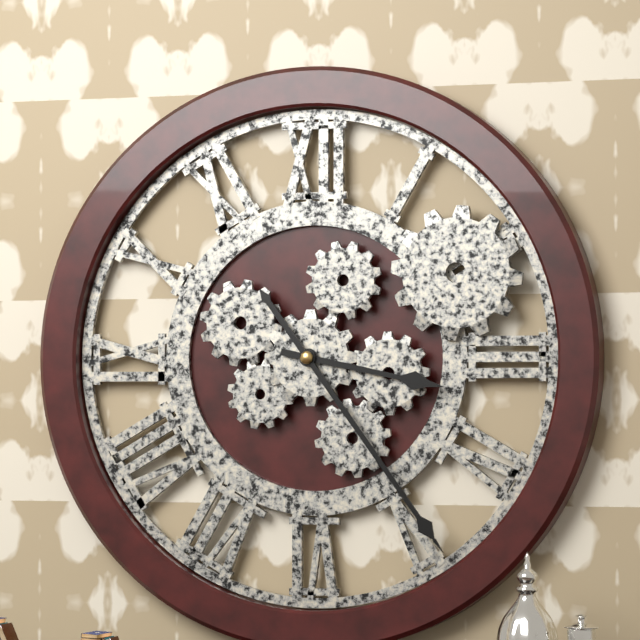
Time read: 3:24
